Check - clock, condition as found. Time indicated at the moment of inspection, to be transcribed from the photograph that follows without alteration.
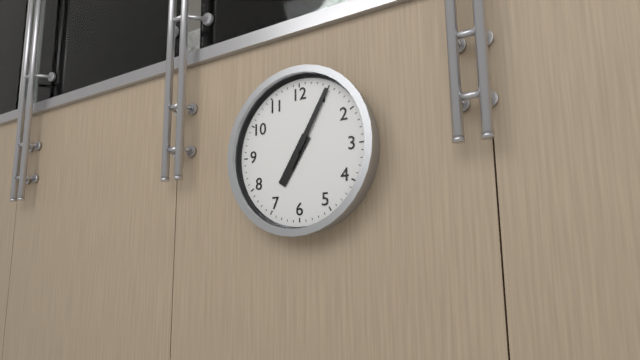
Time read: 7:05
